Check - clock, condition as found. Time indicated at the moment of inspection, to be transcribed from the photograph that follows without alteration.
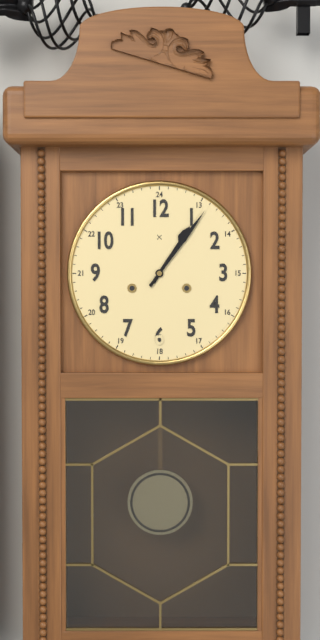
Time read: 1:06
